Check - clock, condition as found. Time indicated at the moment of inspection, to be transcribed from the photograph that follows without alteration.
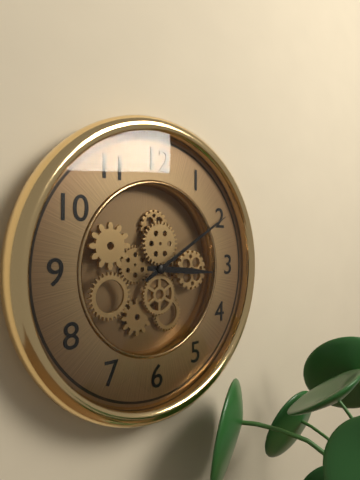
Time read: 3:10
